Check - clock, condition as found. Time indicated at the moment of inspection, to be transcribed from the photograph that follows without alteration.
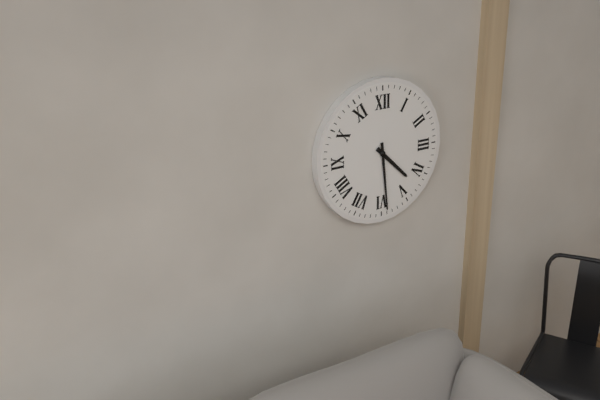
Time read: 4:29
